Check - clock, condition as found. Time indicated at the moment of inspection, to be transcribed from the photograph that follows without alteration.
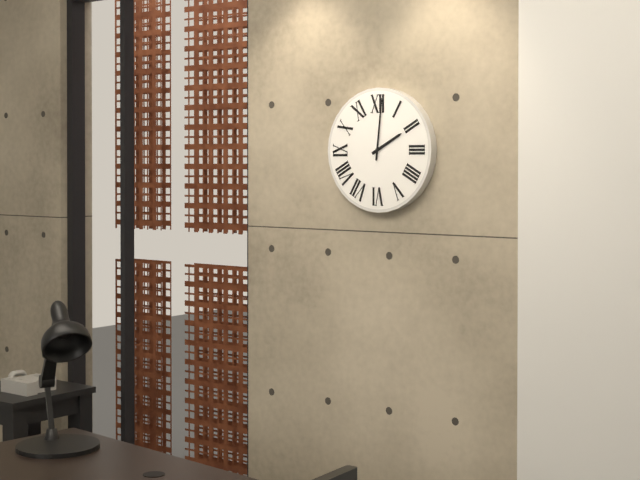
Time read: 2:01
